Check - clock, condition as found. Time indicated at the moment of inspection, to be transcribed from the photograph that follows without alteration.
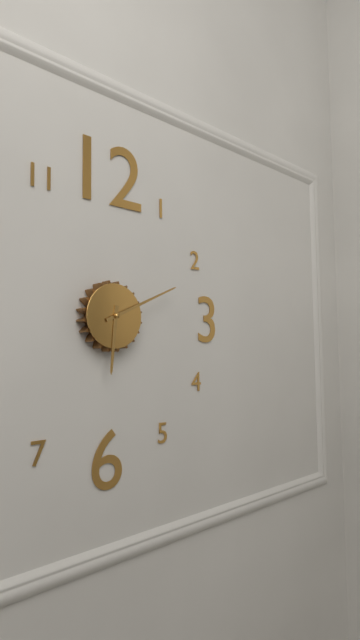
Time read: 6:11
